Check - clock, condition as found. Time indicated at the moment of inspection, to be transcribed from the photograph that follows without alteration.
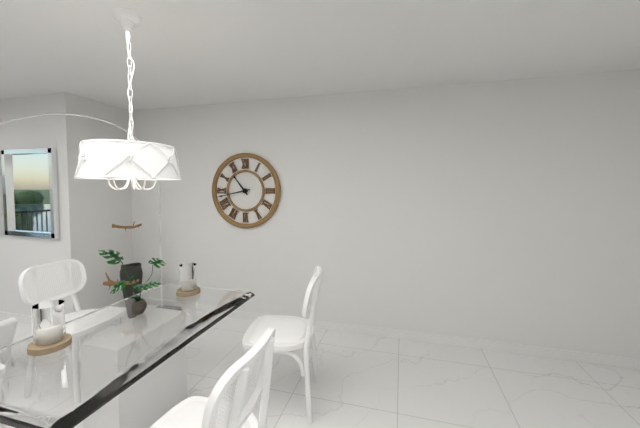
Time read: 10:43
